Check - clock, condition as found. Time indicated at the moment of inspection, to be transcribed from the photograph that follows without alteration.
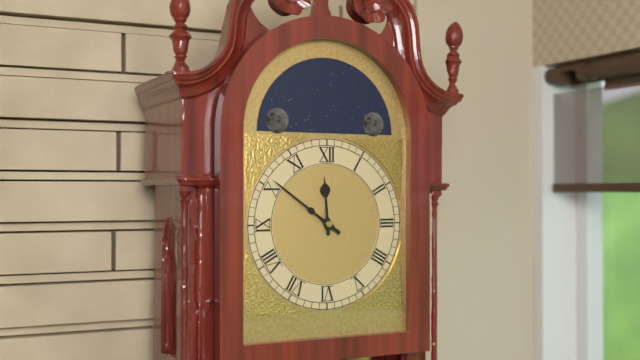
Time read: 11:51
